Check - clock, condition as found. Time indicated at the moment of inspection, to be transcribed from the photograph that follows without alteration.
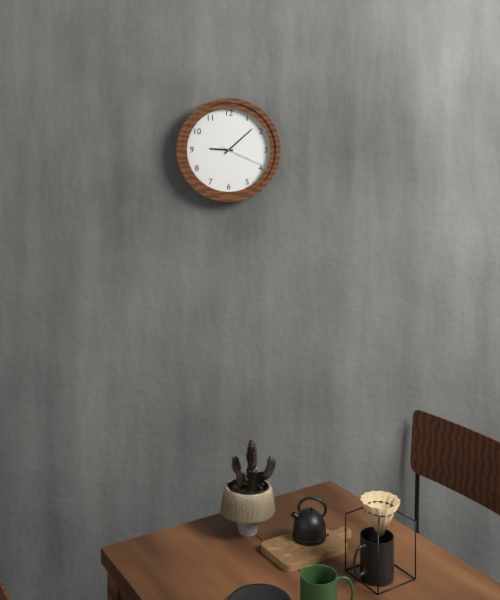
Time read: 9:08
